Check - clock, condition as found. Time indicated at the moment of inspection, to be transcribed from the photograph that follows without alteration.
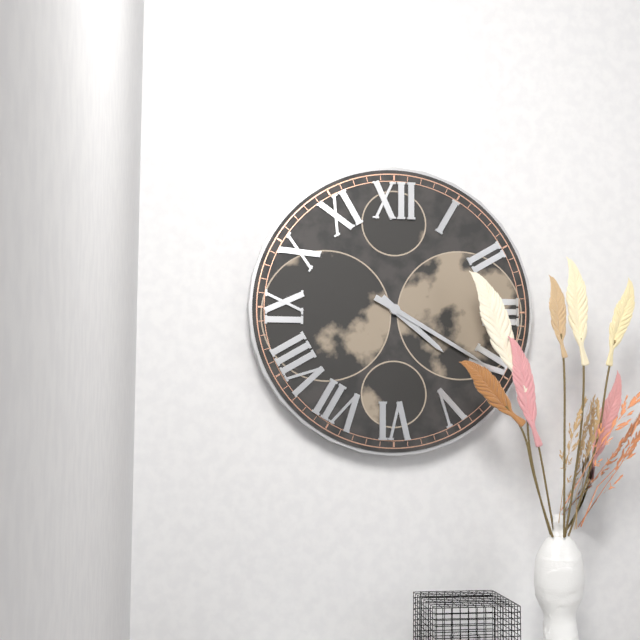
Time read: 4:20
